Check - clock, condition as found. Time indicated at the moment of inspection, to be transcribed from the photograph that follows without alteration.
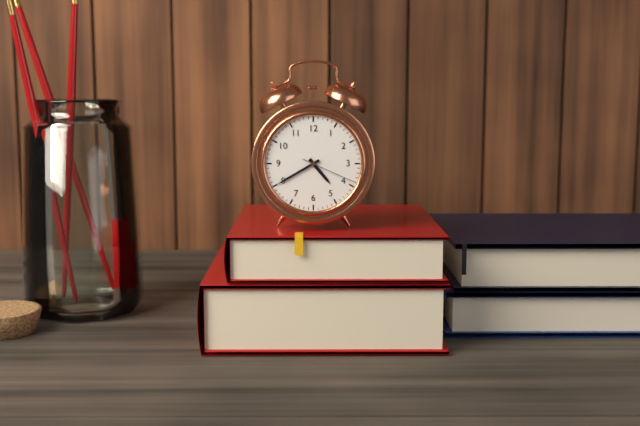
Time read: 4:40:19
